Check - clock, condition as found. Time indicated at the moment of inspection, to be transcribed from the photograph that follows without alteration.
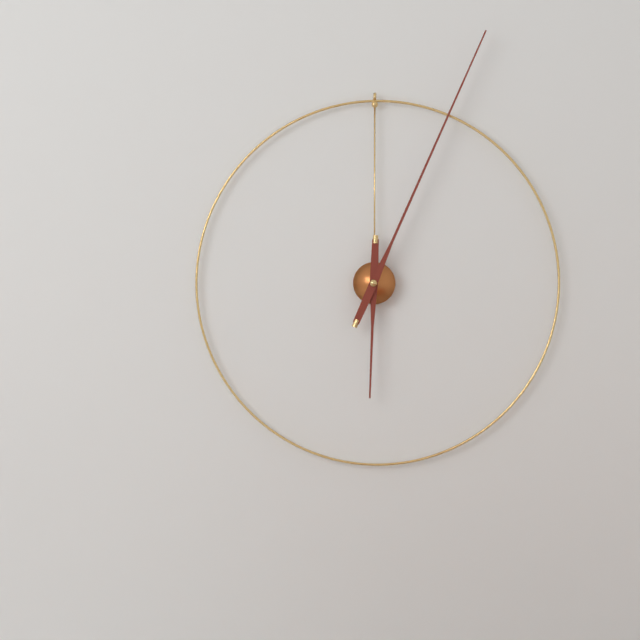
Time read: 6:04
